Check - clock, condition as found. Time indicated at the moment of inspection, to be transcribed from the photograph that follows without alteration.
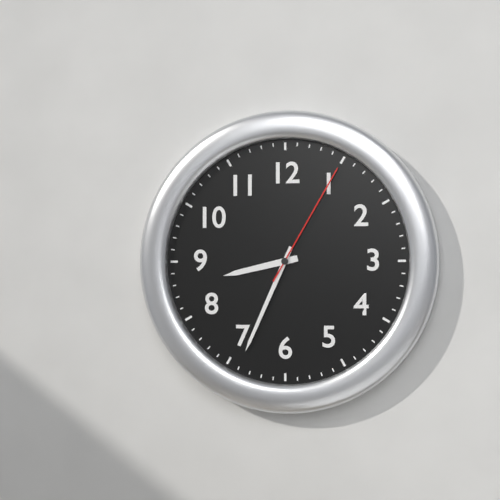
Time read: 8:34:05
